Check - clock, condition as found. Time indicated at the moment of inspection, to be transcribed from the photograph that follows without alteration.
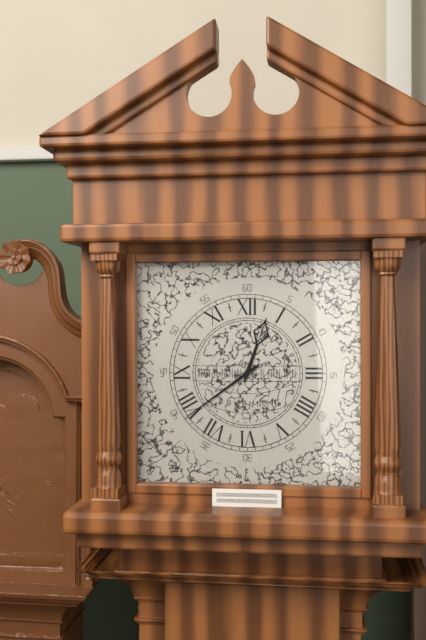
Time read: 12:39
